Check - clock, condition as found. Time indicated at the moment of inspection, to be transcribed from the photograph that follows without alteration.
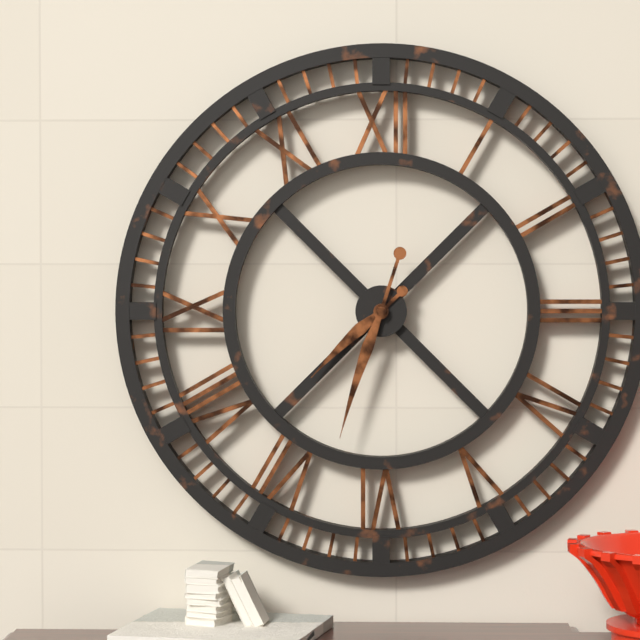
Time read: 7:33
